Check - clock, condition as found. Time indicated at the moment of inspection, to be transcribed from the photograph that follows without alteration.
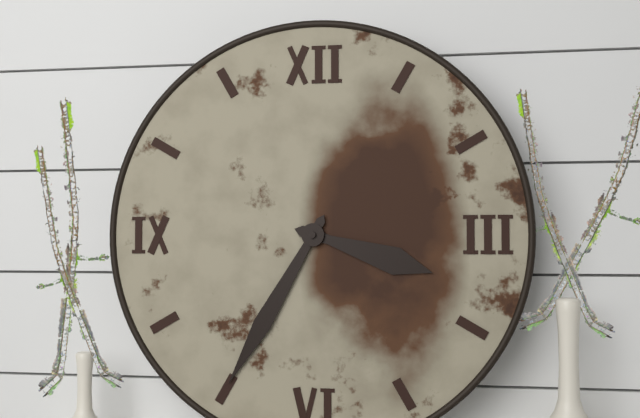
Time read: 3:35
